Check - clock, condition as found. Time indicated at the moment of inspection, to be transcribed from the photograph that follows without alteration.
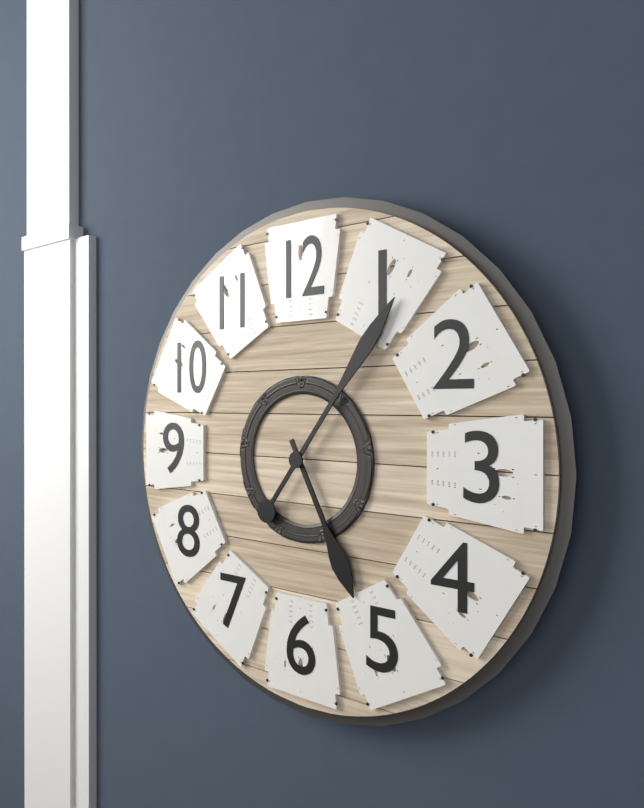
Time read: 5:06
